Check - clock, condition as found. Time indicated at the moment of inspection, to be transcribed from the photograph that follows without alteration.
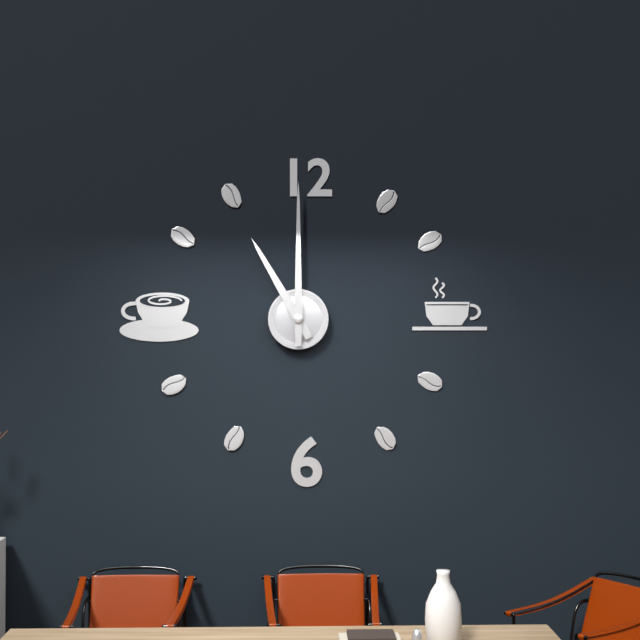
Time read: 11:00
